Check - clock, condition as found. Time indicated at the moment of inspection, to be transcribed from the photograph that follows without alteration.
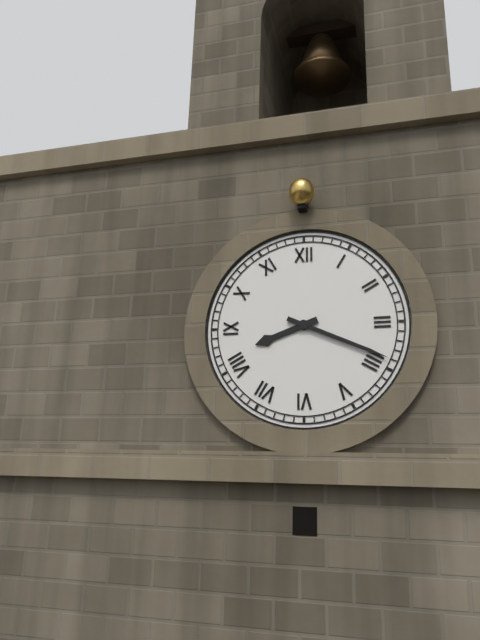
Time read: 8:19
